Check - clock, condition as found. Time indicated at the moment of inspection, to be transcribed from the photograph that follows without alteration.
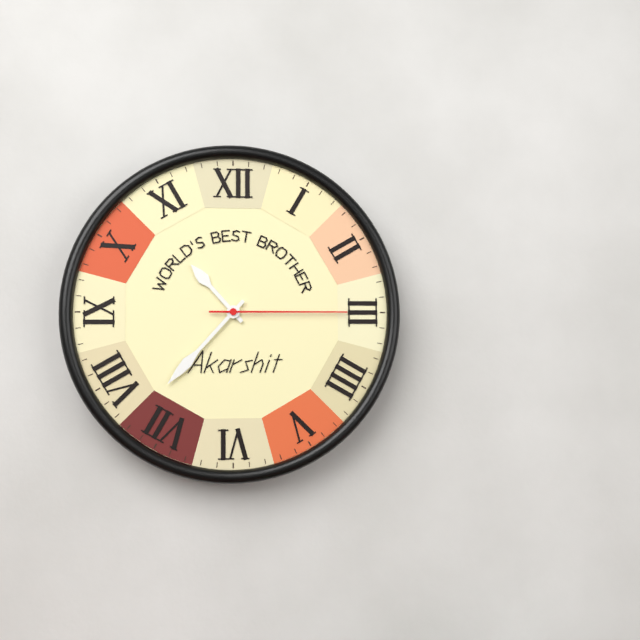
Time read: 10:37:15
